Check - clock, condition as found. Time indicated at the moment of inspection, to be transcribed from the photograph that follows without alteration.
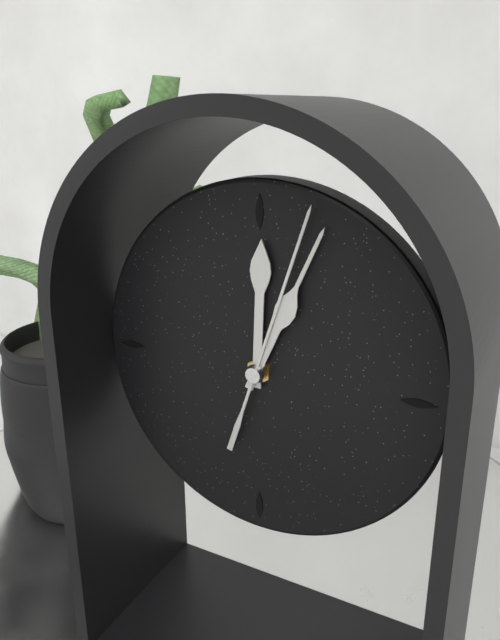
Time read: 12:04:03
